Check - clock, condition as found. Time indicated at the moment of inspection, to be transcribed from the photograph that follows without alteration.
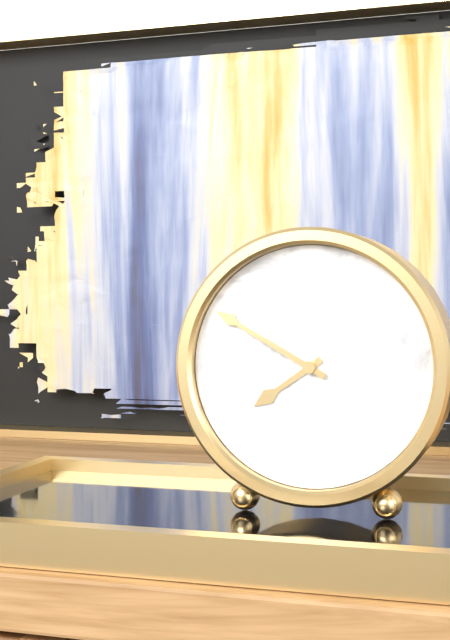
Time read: 7:50
